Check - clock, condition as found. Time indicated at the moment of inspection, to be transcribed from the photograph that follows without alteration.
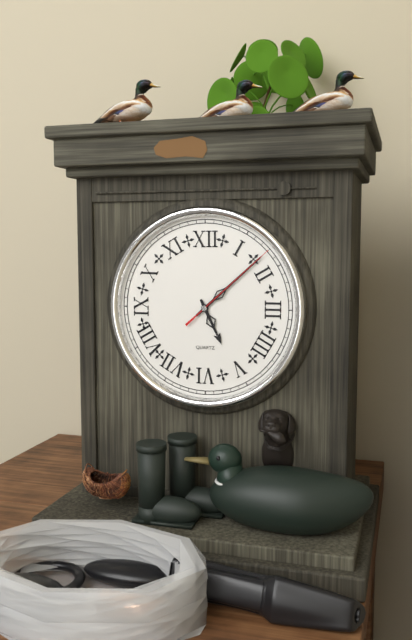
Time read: 5:08:08
